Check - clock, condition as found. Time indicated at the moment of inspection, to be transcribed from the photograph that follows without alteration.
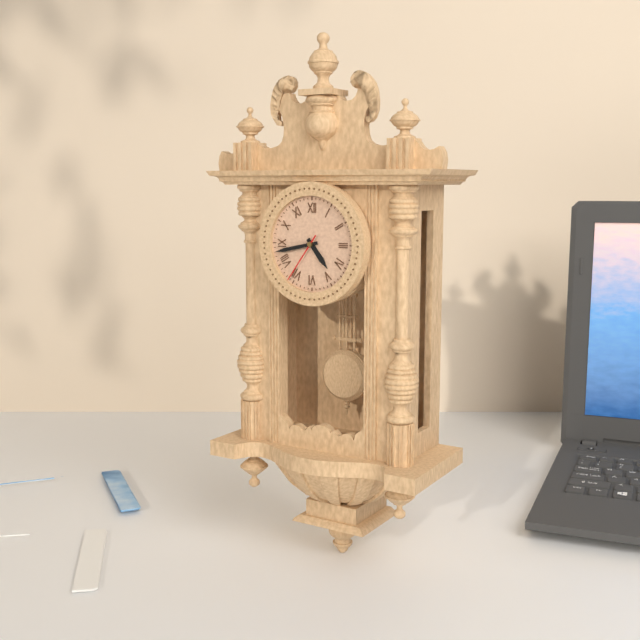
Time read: 4:43:36
